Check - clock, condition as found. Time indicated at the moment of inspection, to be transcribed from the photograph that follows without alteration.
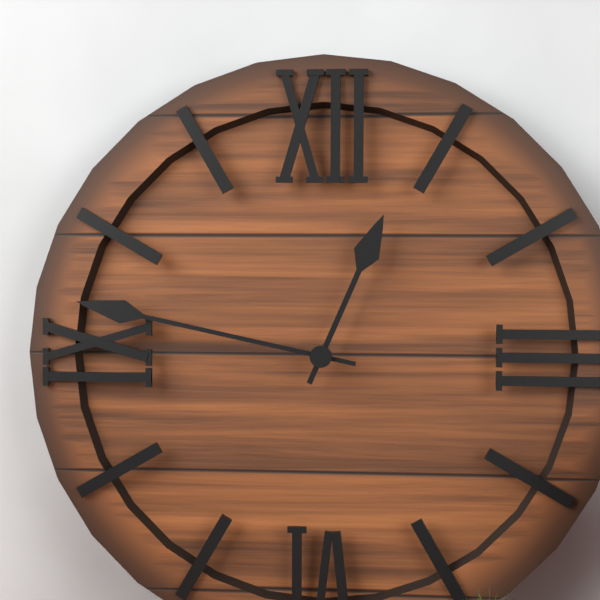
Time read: 12:47
